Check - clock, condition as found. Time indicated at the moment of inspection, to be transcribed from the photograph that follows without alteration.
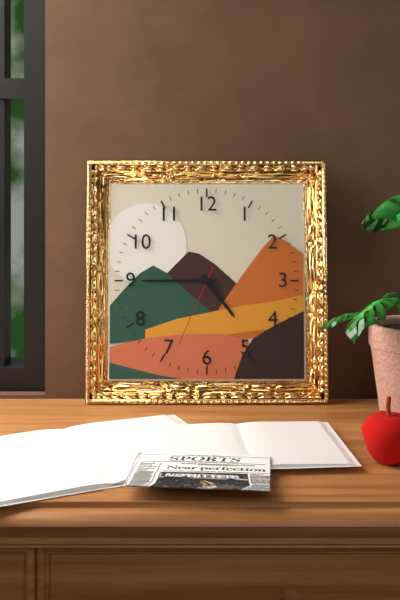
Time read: 4:45:34
